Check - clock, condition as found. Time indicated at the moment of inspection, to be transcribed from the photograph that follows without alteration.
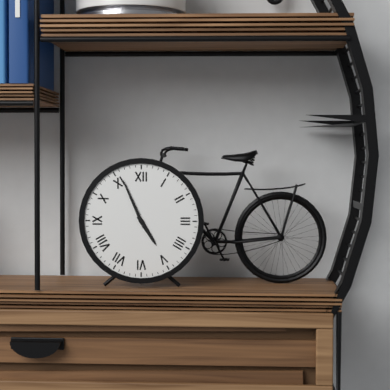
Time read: 4:56
